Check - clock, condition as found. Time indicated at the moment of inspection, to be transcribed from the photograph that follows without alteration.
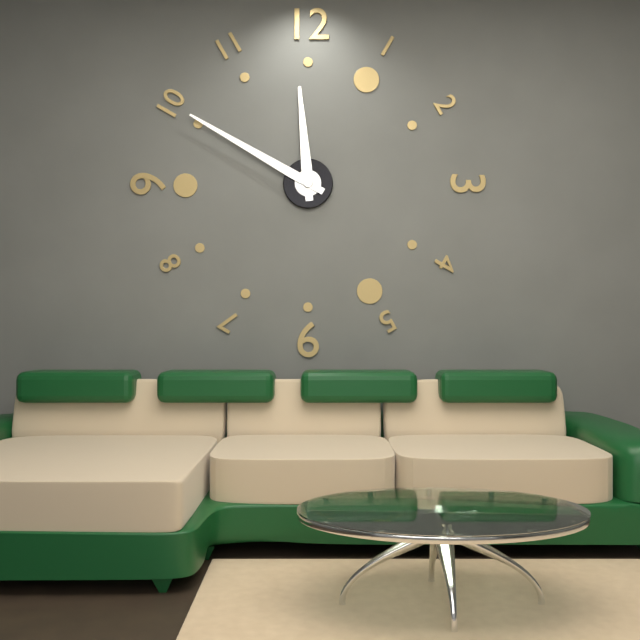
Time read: 11:50
